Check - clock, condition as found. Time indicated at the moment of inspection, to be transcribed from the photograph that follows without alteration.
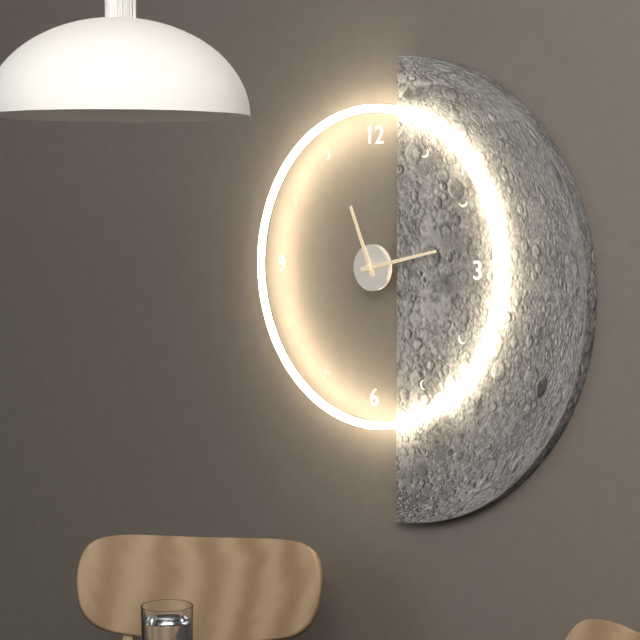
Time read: 11:13
